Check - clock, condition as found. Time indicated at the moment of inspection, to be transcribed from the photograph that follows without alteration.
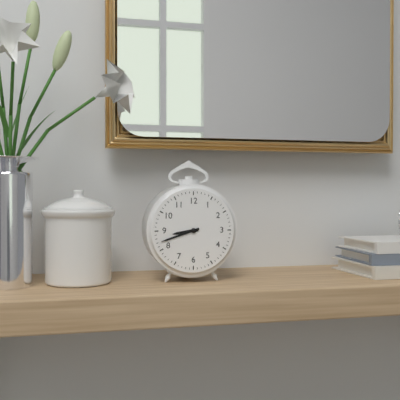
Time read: 8:42
